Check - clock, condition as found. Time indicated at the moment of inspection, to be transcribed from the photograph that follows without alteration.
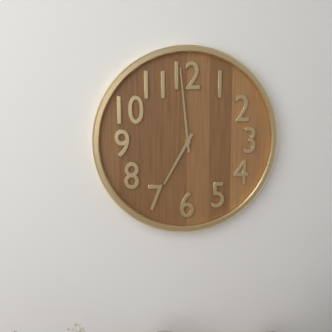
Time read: 6:59
